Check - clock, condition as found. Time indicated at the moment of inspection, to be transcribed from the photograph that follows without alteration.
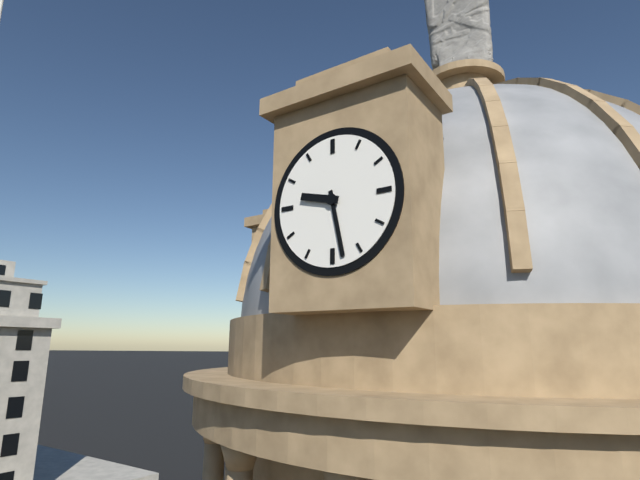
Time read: 9:28
